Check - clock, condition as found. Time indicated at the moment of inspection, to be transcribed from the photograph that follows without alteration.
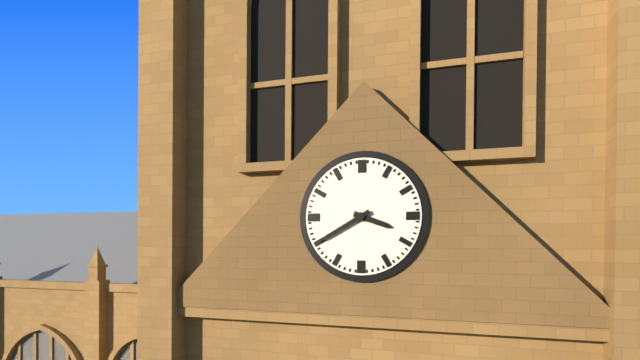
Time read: 3:40
